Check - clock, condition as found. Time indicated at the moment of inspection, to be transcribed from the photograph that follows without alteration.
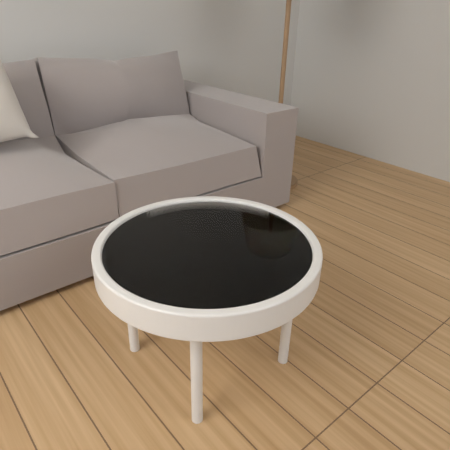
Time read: 9:51
